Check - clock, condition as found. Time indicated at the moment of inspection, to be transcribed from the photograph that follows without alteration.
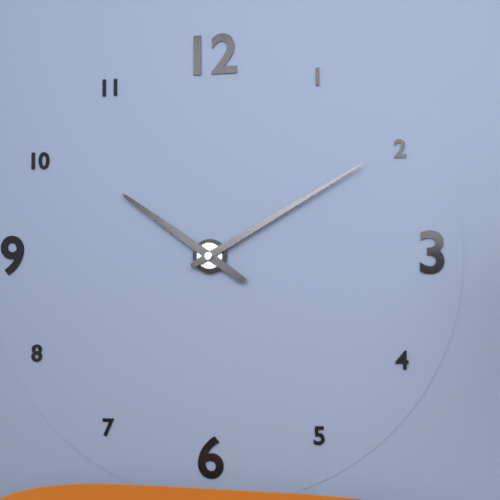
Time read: 10:10
